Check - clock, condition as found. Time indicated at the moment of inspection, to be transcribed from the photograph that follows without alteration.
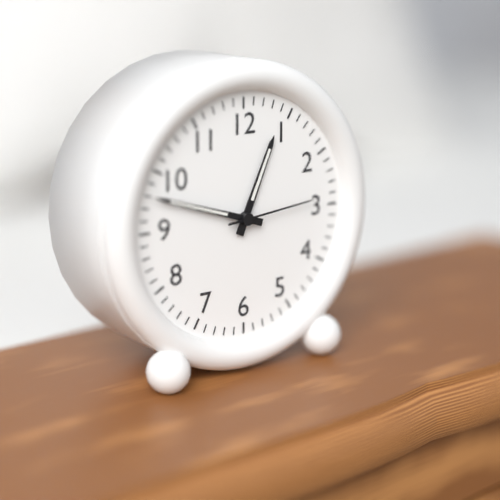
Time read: 12:48:14
